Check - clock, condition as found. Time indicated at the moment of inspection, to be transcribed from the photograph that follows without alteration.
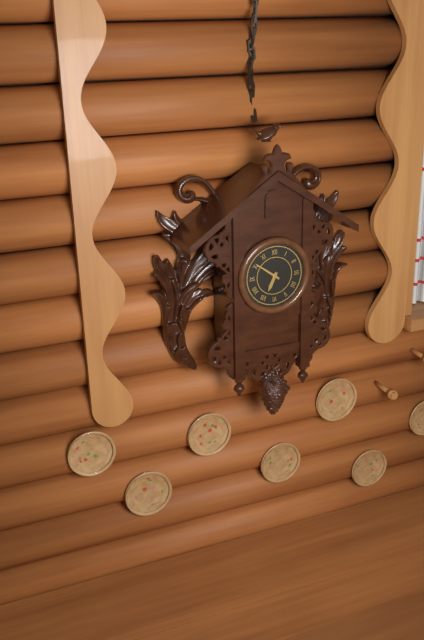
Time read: 6:51
